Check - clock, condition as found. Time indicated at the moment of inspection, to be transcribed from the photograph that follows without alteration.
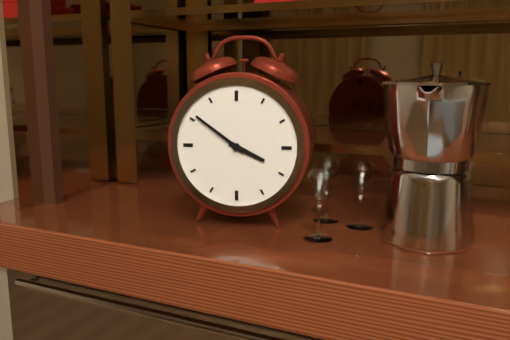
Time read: 3:51
